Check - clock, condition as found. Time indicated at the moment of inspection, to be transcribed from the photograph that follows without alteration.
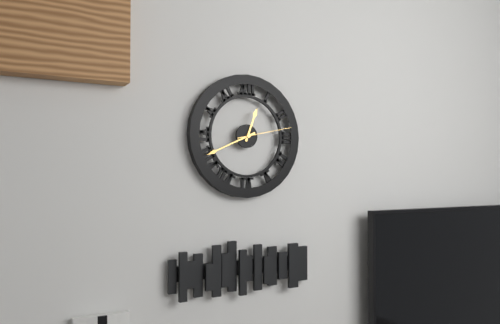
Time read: 12:41:13
